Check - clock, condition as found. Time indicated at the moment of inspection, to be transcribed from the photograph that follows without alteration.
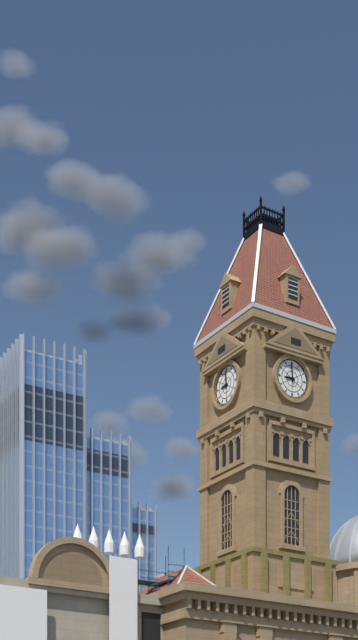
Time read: 8:59
